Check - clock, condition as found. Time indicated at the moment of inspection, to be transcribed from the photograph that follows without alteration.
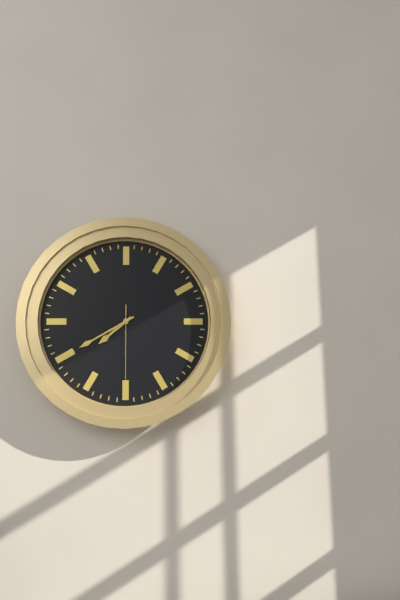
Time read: 7:40:30
